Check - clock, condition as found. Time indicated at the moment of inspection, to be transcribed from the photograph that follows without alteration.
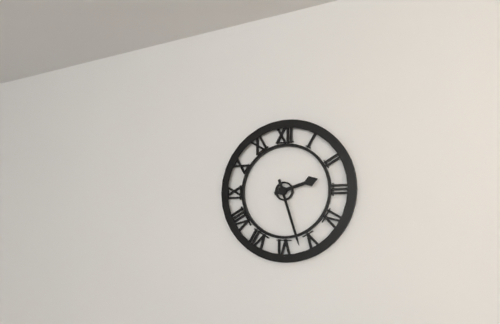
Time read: 2:27
